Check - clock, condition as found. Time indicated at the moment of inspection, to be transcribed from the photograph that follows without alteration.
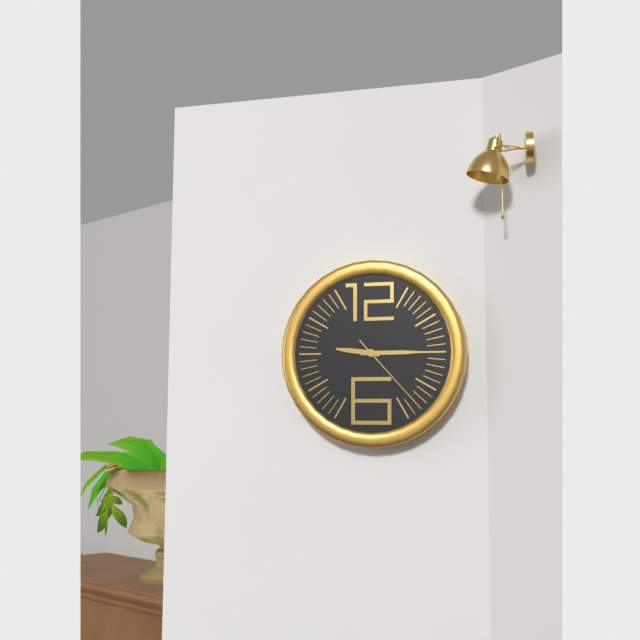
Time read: 9:15:23
